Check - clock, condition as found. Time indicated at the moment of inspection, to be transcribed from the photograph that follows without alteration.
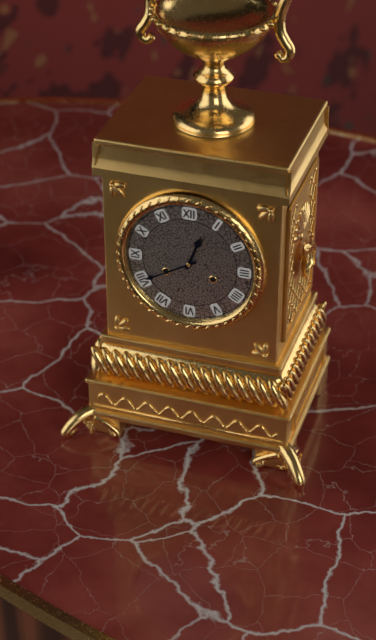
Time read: 12:40
